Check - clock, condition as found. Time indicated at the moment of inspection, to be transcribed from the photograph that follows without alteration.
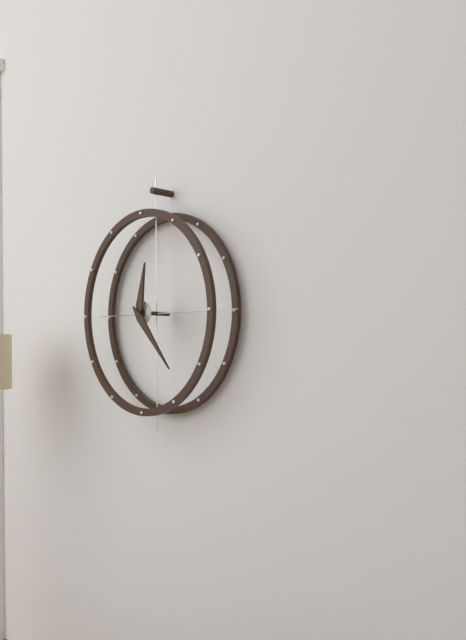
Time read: 12:23
